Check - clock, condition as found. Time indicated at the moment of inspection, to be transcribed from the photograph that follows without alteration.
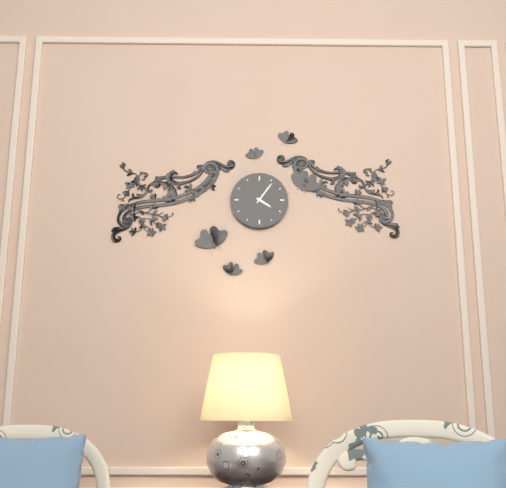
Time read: 4:06
